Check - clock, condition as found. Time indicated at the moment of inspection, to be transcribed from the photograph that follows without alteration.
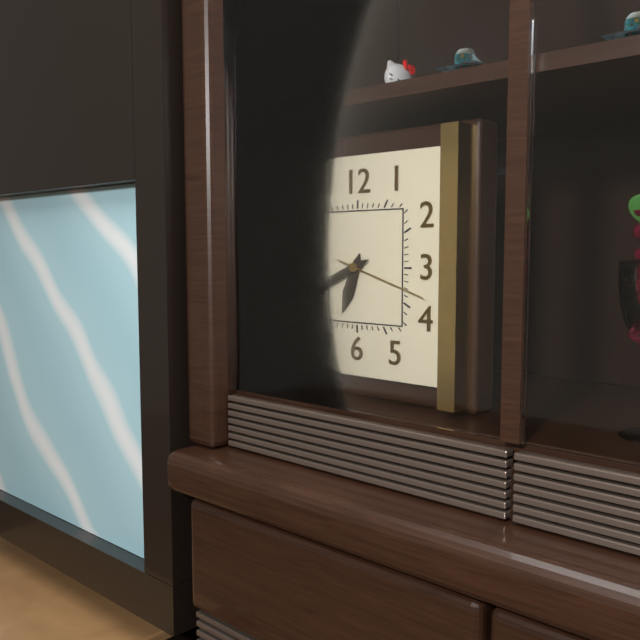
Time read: 6:41:18
